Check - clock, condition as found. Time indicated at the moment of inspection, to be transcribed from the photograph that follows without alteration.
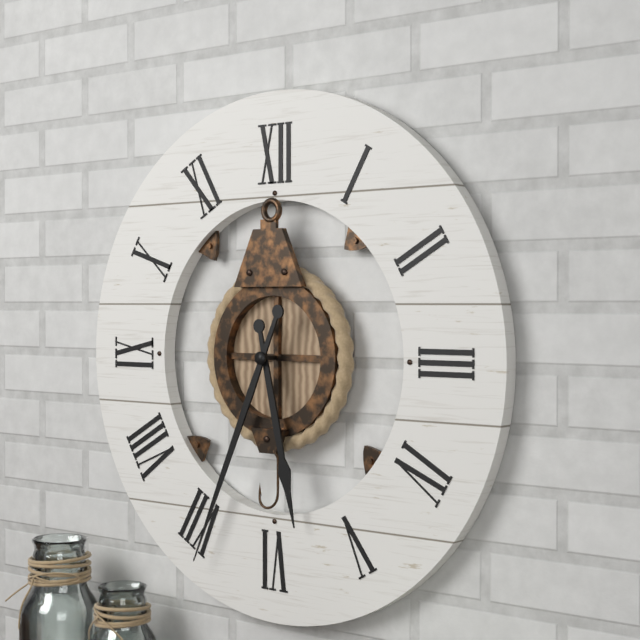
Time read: 5:34
